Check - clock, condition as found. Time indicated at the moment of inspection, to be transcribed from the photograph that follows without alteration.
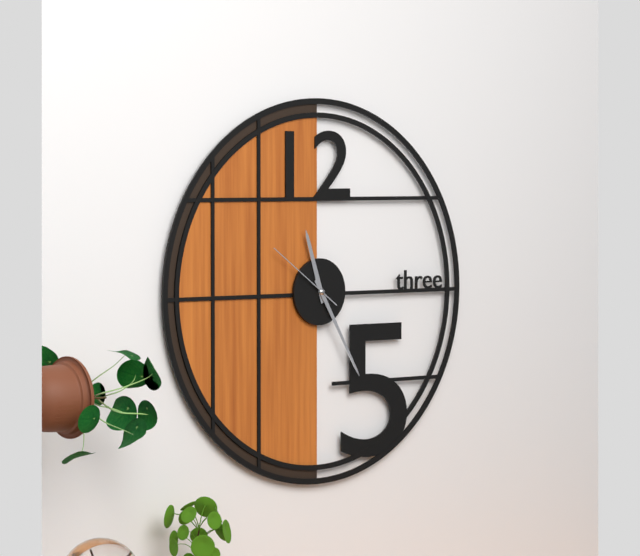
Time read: 11:25:51
